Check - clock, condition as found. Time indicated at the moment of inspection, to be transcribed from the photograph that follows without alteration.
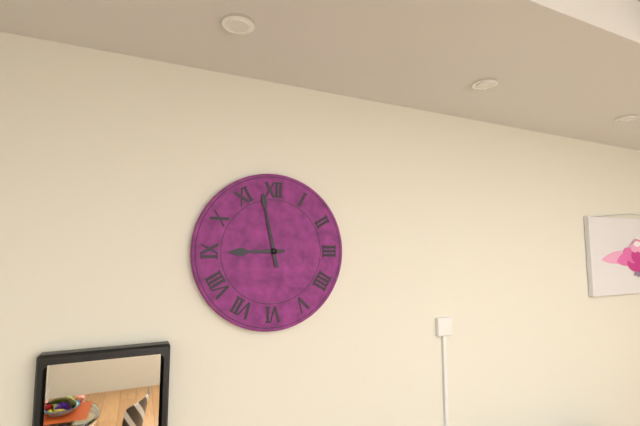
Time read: 8:58
